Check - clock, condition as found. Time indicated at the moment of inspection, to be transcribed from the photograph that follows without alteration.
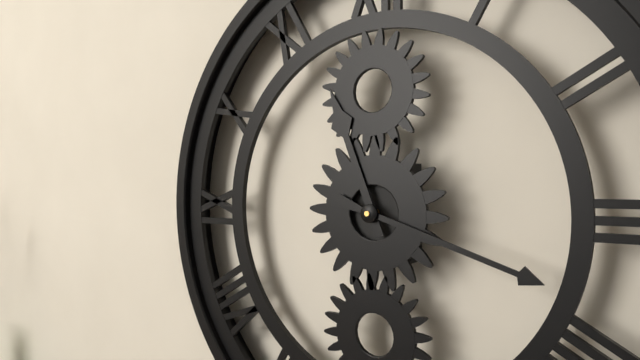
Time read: 11:18
